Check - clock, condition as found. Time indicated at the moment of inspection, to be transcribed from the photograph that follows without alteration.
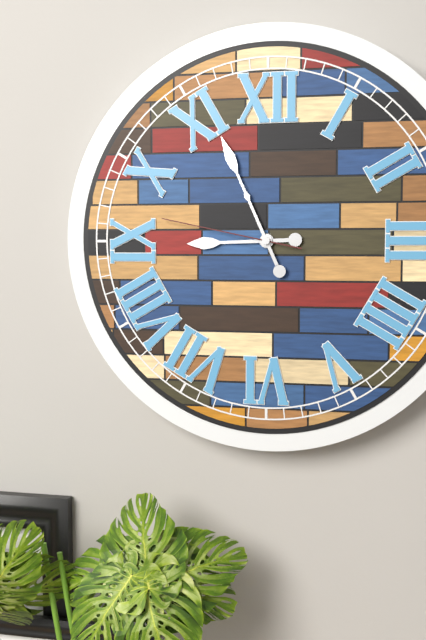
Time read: 8:56:47
